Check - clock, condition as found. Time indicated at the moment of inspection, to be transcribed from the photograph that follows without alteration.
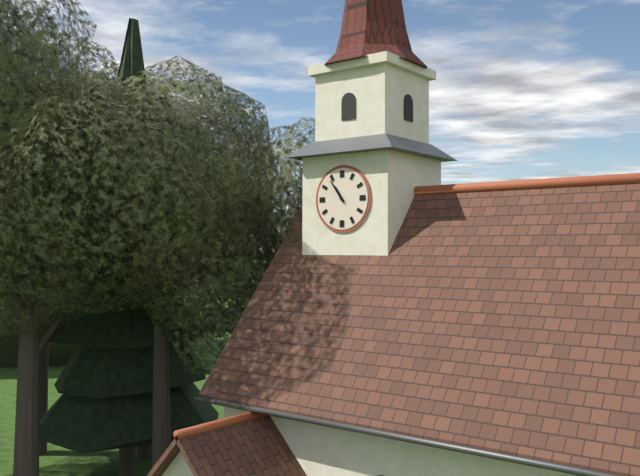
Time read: 10:54
